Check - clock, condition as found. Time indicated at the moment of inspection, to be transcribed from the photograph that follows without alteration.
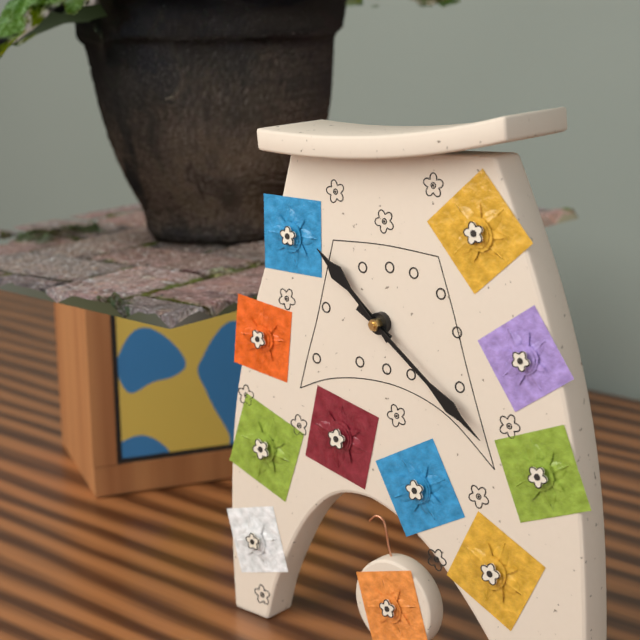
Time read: 10:21
